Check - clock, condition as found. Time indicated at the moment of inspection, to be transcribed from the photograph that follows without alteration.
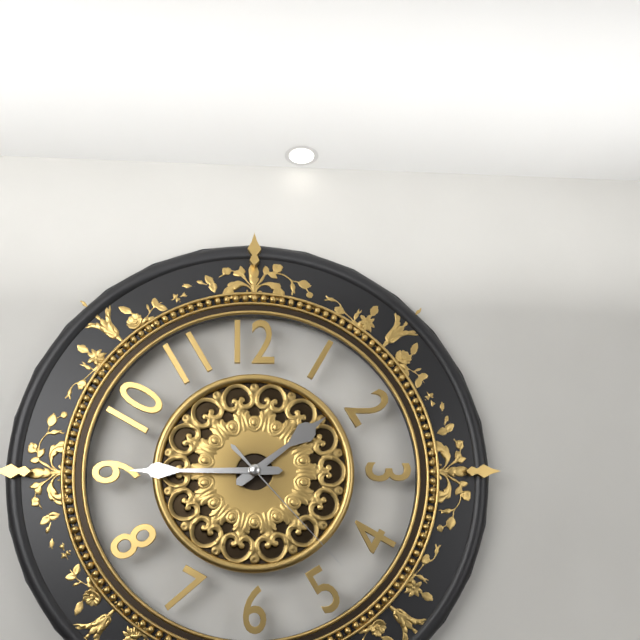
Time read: 1:45:23
